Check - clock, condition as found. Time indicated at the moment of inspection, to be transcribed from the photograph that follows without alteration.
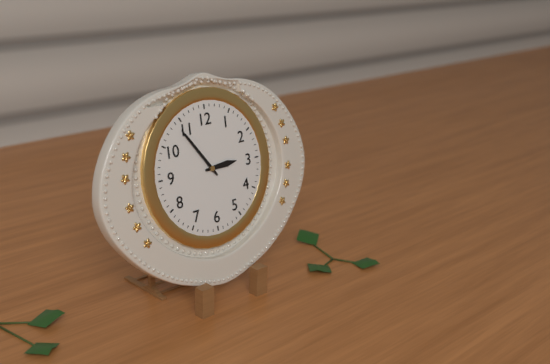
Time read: 2:54
